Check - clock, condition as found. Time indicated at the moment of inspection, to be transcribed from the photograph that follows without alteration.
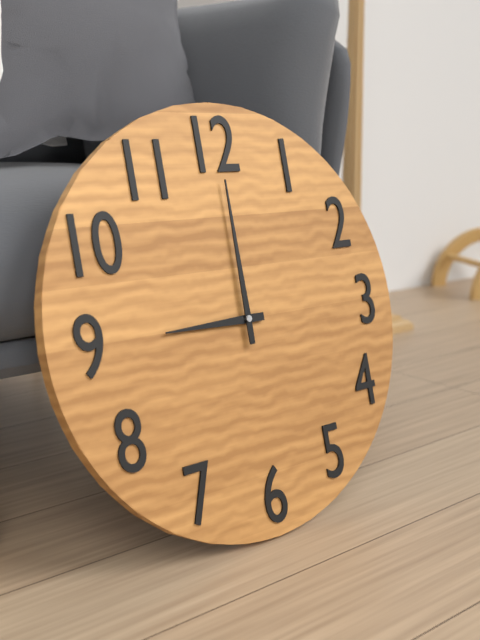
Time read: 9:00
